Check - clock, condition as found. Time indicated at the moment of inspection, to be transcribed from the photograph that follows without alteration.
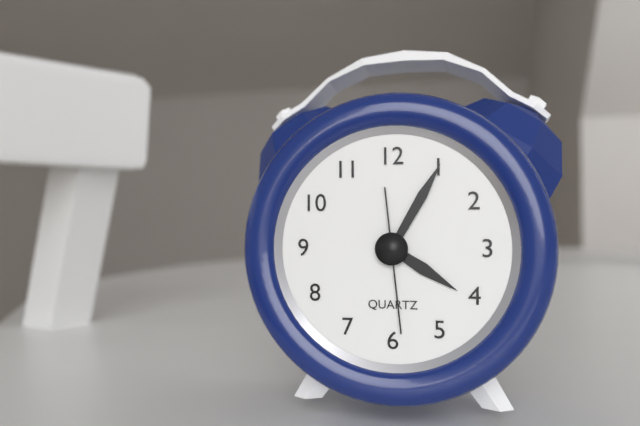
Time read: 4:05:29
